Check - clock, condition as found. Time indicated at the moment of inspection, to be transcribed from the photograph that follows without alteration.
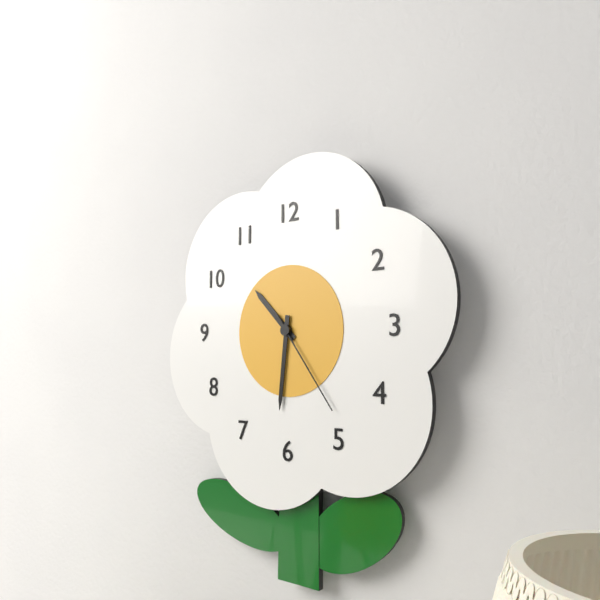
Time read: 10:31:24
